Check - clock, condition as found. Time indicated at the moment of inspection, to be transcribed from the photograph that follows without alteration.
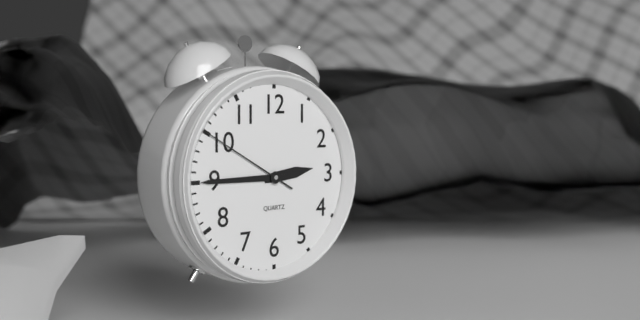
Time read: 2:45:50
